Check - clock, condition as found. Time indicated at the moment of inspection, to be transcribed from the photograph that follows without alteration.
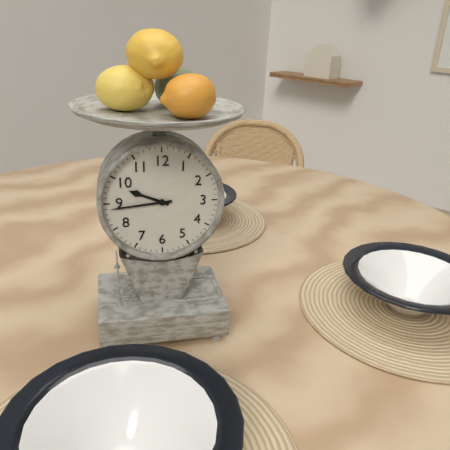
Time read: 9:44
